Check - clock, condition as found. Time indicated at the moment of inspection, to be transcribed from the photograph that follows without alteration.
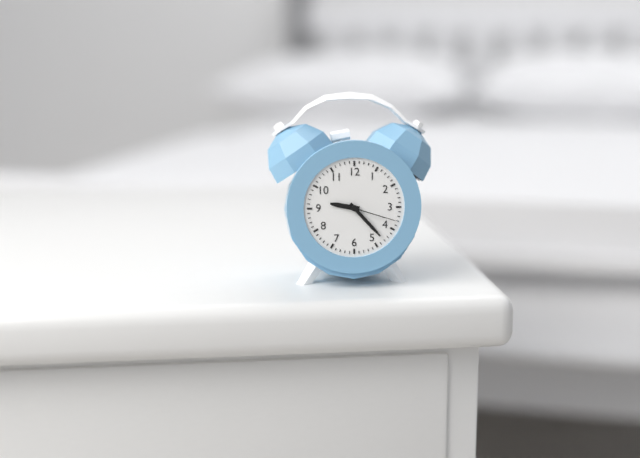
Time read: 9:23:18
